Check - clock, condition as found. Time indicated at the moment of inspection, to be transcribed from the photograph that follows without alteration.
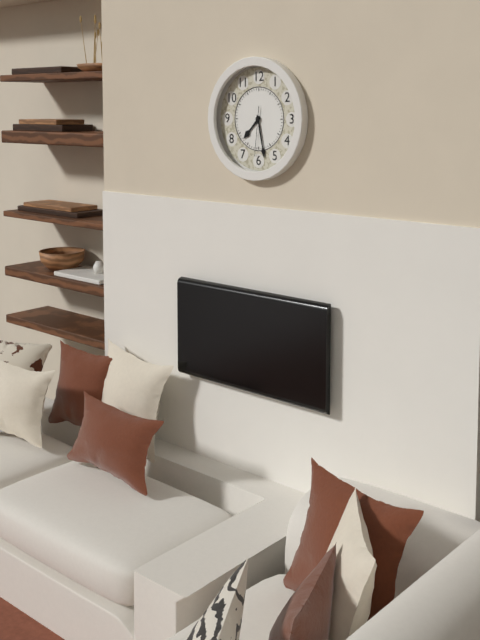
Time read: 7:28
